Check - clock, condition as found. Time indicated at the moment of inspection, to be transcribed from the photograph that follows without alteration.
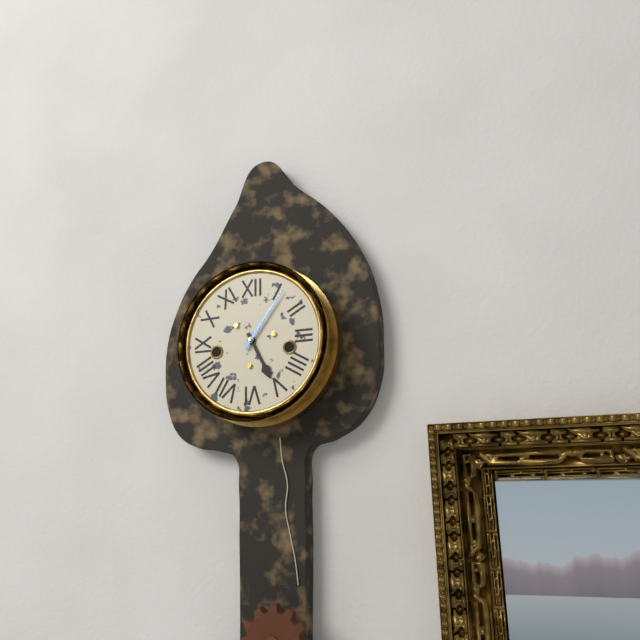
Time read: 5:06
